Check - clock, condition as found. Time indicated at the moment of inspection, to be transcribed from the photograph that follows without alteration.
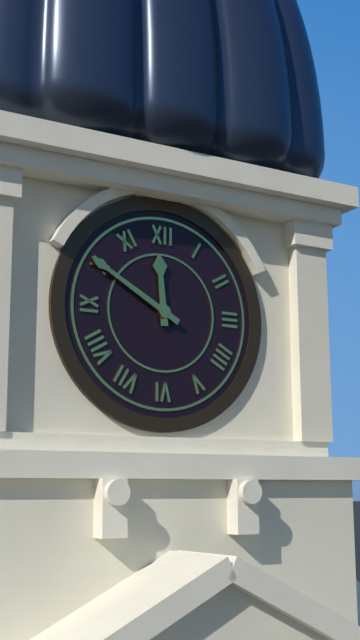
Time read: 11:50
